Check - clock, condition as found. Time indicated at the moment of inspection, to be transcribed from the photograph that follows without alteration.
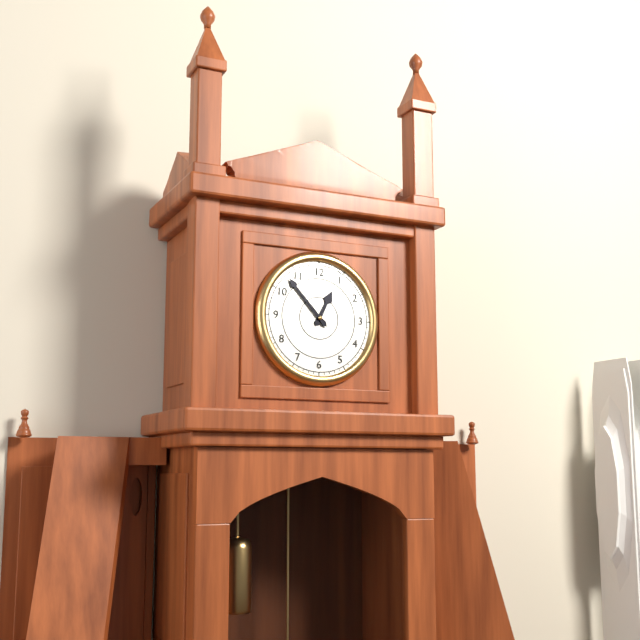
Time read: 12:53
